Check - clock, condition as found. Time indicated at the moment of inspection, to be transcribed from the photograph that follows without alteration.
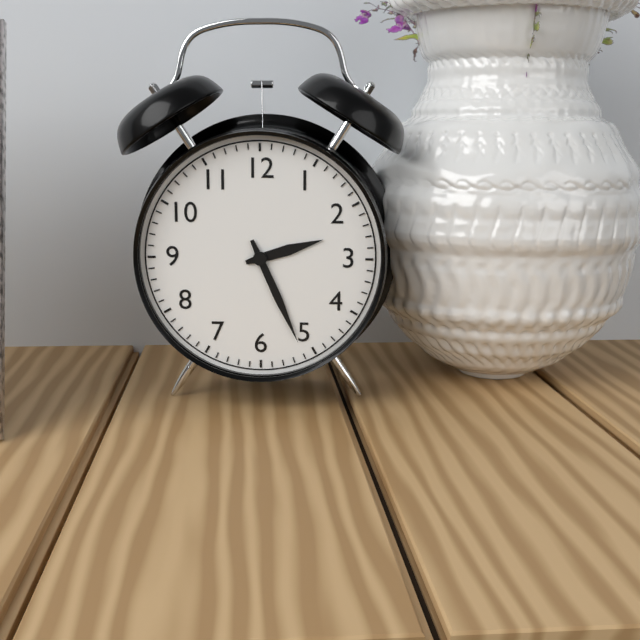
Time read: 2:26
